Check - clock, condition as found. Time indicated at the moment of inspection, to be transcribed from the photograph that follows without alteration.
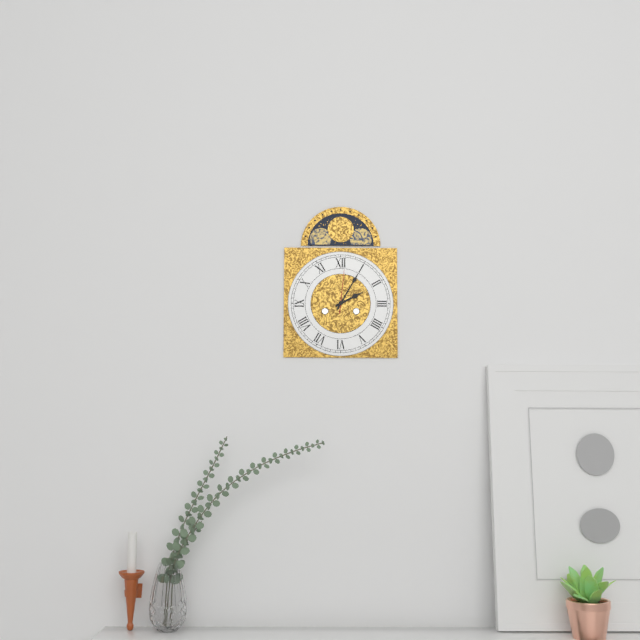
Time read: 2:05
